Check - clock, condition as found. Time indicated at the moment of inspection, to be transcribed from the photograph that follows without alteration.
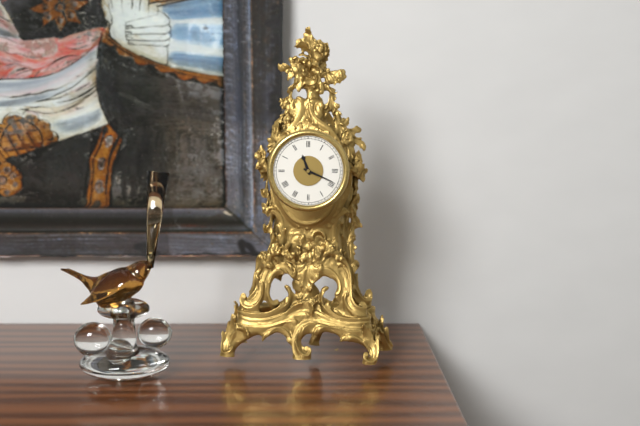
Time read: 11:19
